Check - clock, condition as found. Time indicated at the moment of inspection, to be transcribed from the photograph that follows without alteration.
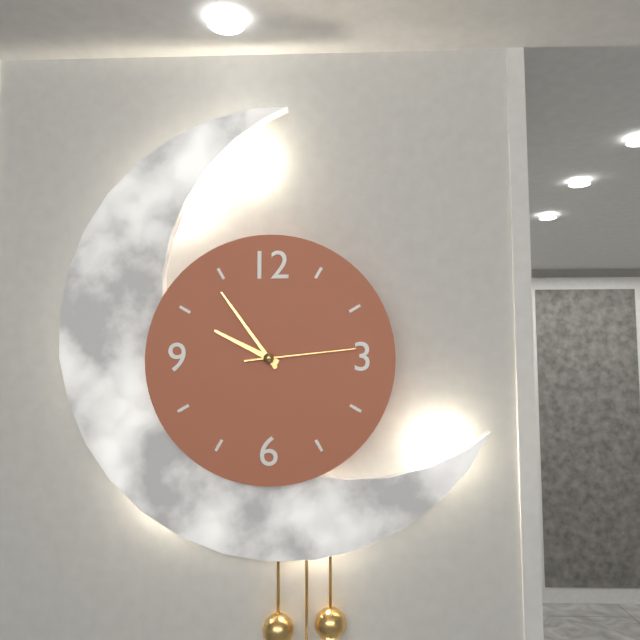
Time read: 9:54:14
